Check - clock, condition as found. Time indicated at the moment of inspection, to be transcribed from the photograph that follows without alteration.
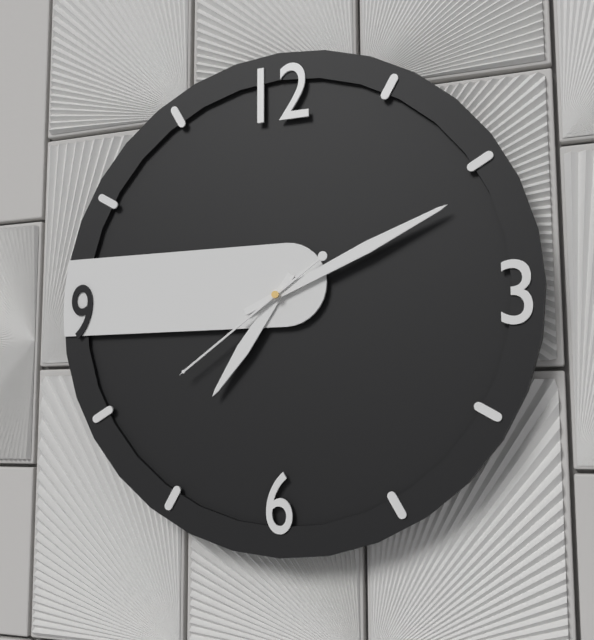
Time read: 7:11:39
